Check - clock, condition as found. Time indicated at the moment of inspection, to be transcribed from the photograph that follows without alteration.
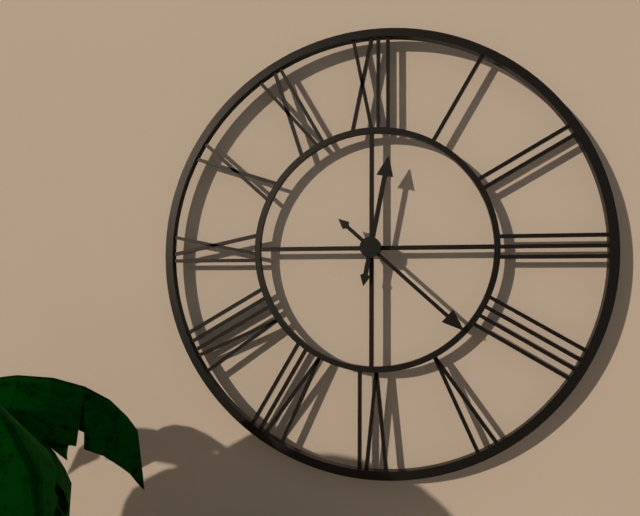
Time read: 12:22
